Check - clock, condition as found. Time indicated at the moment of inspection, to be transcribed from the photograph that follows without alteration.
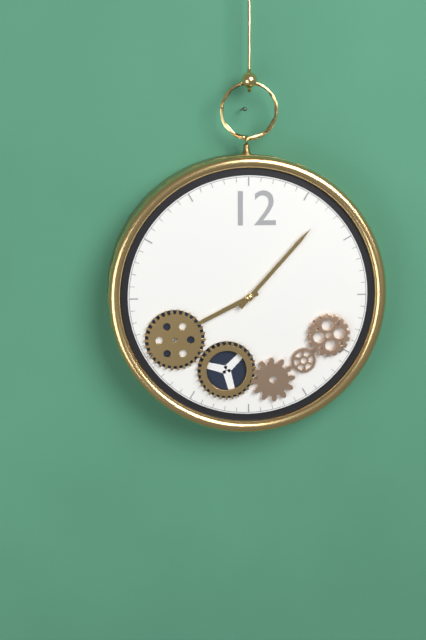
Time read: 8:07
